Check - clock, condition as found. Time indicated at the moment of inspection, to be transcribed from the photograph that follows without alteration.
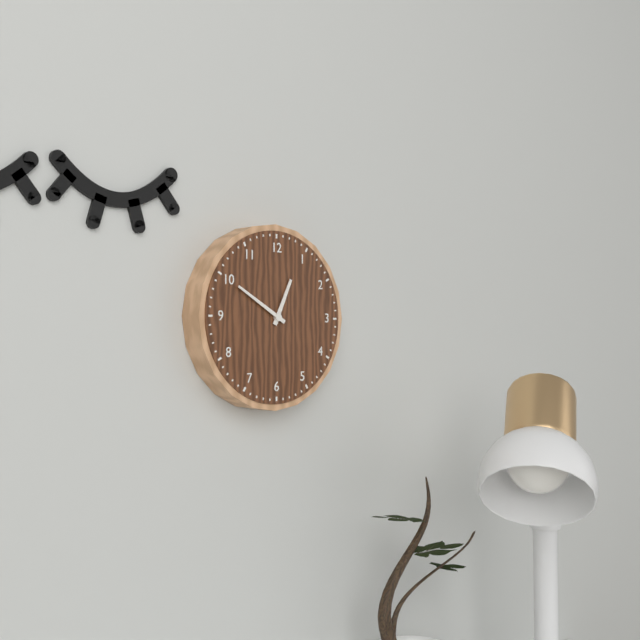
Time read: 12:50
